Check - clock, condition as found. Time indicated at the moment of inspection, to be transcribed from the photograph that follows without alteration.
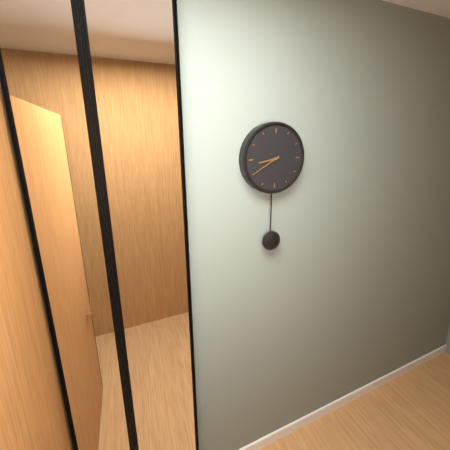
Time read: 8:40
